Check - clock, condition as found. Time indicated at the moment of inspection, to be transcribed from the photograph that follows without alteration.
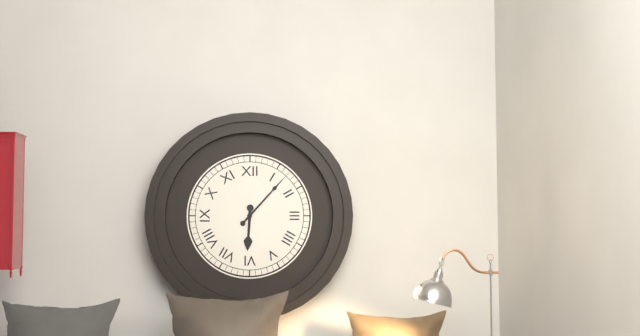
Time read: 6:07
